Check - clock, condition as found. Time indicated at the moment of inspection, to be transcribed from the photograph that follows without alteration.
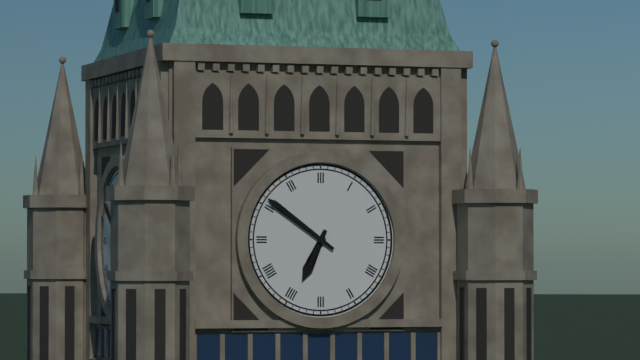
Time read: 6:51
